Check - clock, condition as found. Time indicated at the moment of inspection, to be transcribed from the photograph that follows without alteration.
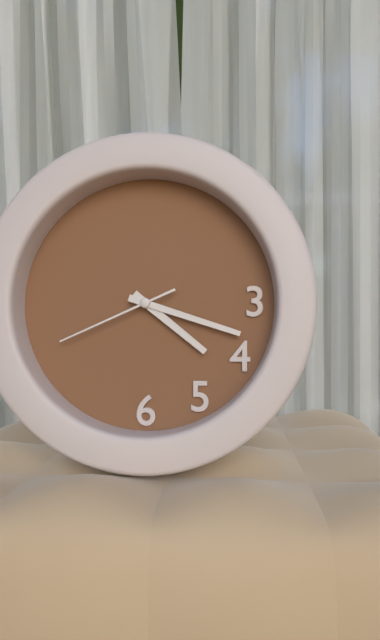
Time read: 4:18:41
